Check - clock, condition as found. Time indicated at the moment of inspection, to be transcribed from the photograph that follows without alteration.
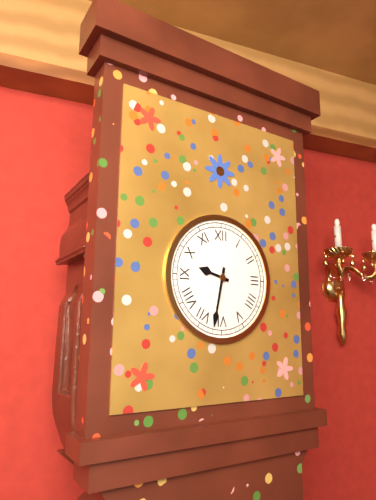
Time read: 9:32
